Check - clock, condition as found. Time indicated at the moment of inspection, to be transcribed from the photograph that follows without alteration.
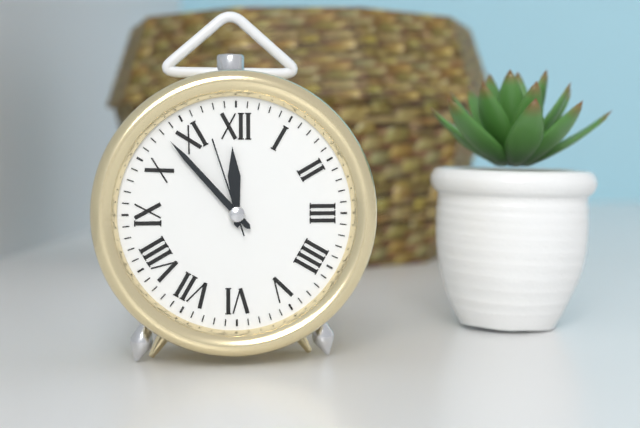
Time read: 11:53:57
